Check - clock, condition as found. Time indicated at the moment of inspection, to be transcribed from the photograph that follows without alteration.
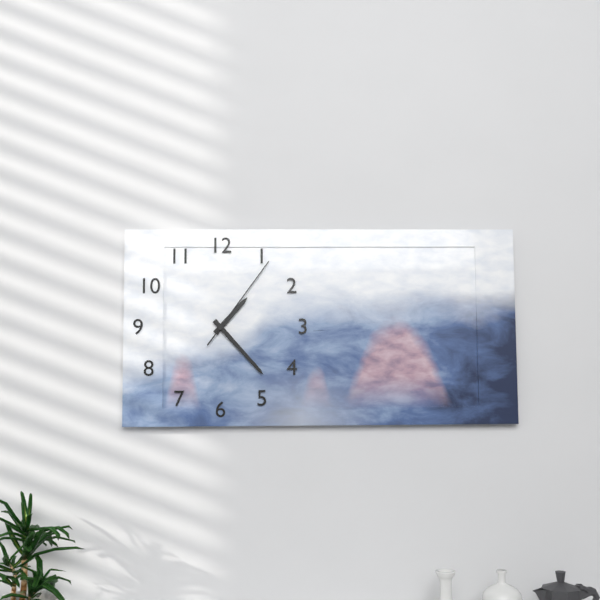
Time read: 1:23:06
